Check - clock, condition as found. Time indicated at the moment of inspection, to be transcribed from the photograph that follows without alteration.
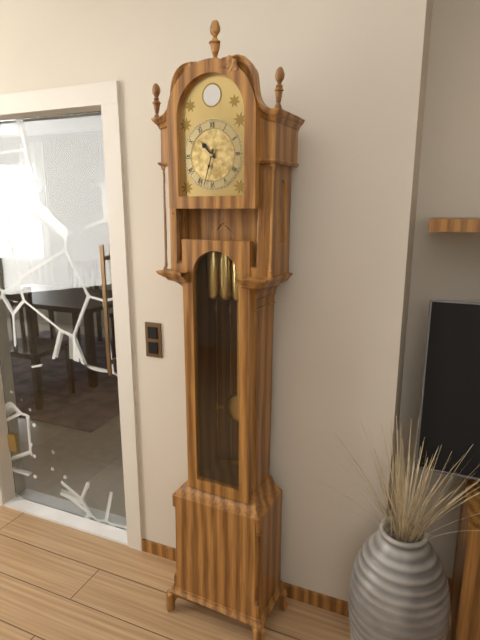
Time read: 10:33
